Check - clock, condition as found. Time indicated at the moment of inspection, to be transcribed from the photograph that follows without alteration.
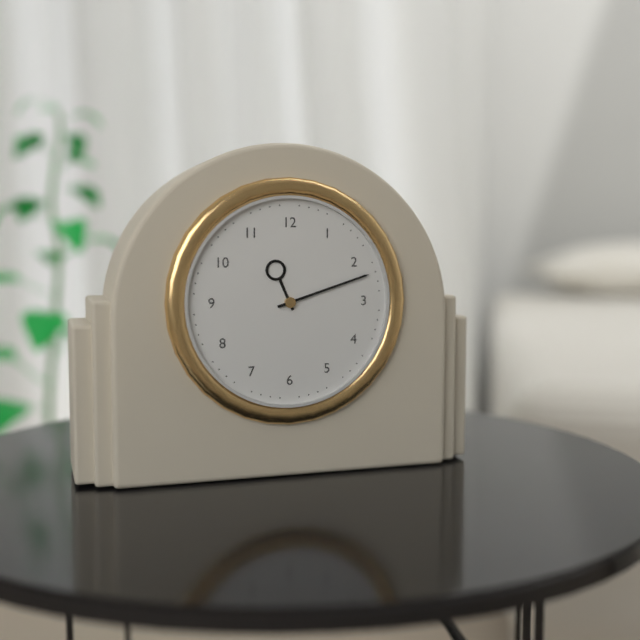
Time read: 11:12
